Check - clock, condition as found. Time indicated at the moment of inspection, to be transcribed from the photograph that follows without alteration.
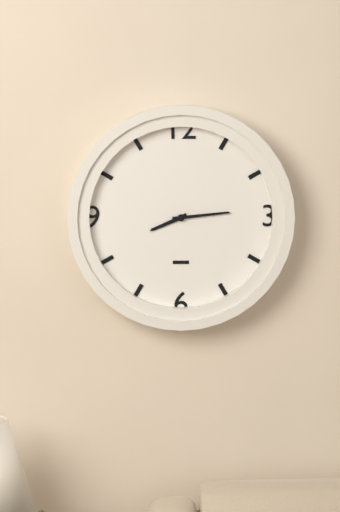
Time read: 8:14
